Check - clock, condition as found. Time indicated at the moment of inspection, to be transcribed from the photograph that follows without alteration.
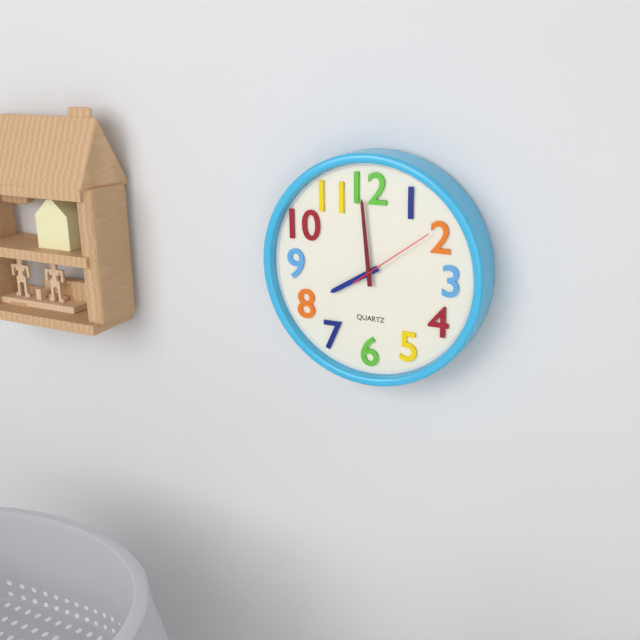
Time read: 7:59:09
